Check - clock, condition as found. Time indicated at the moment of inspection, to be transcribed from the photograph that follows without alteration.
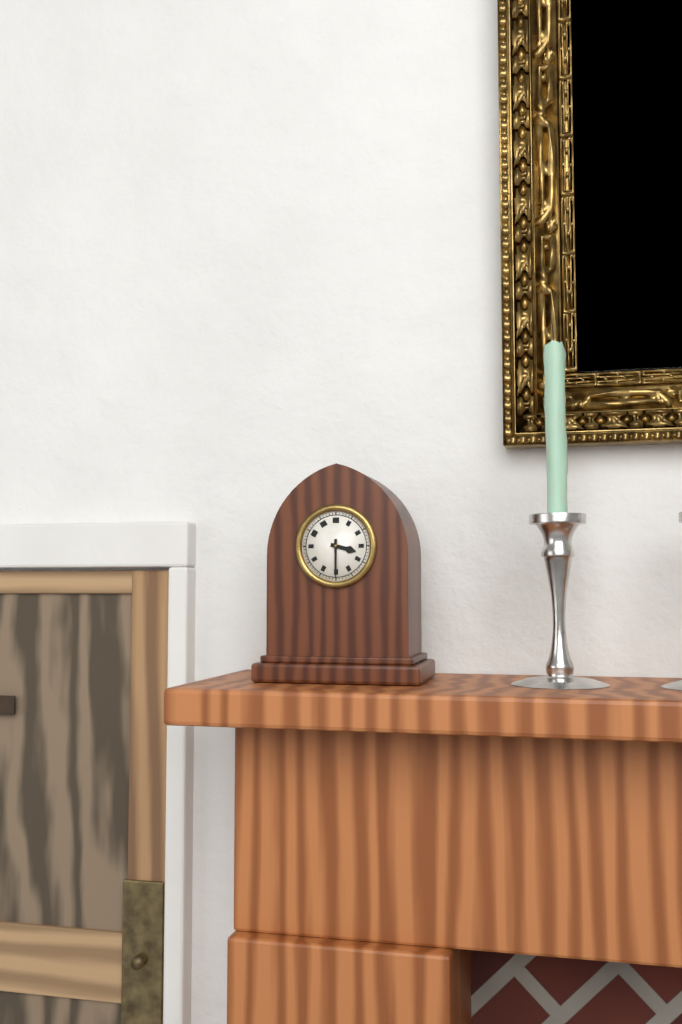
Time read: 3:30
